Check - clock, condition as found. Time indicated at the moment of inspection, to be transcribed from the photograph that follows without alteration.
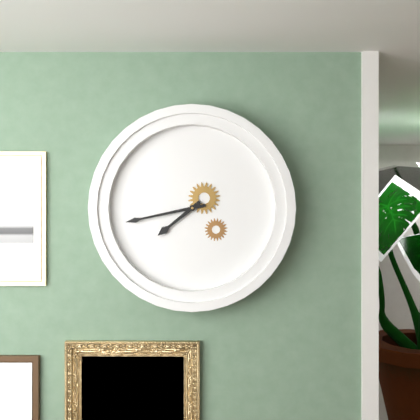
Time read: 7:43
